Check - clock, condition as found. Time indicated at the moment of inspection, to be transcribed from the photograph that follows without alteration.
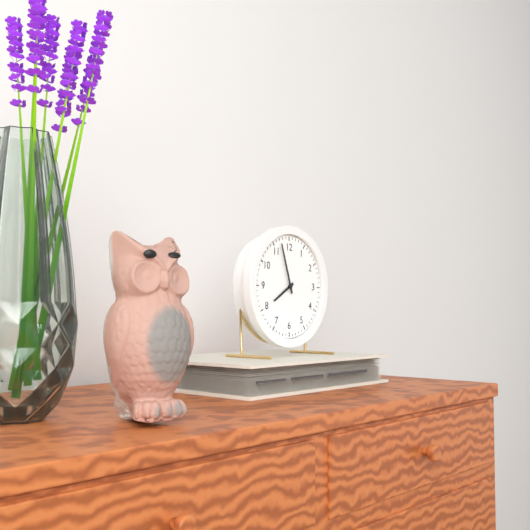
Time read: 7:57
